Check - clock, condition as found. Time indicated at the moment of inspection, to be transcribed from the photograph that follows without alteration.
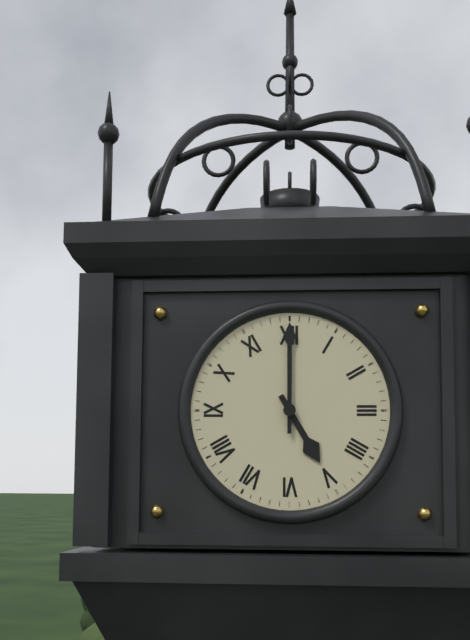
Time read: 5:00
